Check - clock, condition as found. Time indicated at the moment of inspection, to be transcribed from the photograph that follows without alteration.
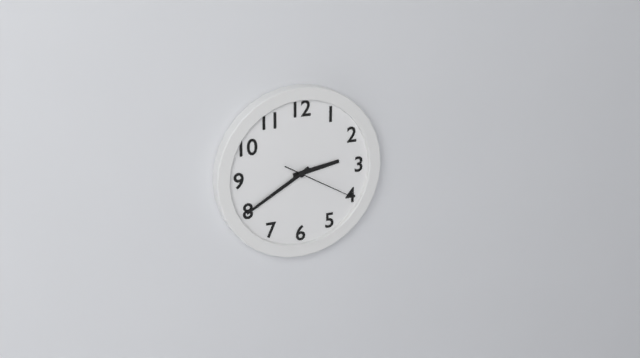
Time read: 2:40:20
